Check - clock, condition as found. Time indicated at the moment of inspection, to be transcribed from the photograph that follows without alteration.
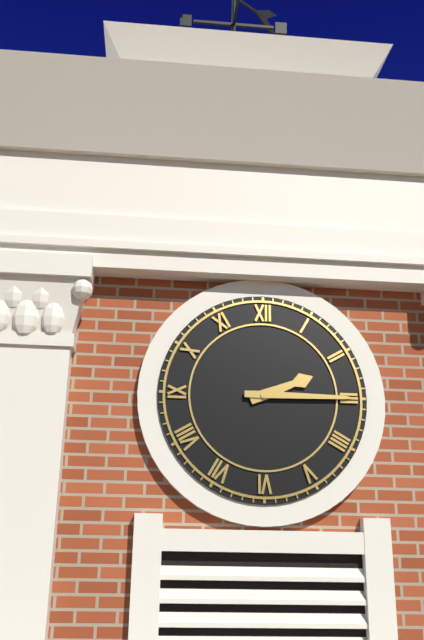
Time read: 2:15
